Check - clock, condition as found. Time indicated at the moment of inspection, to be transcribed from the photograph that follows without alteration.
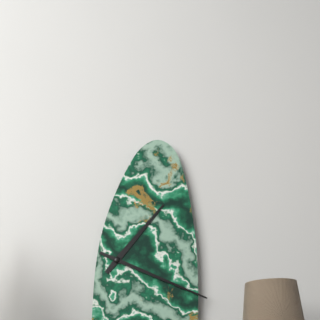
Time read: 1:19
